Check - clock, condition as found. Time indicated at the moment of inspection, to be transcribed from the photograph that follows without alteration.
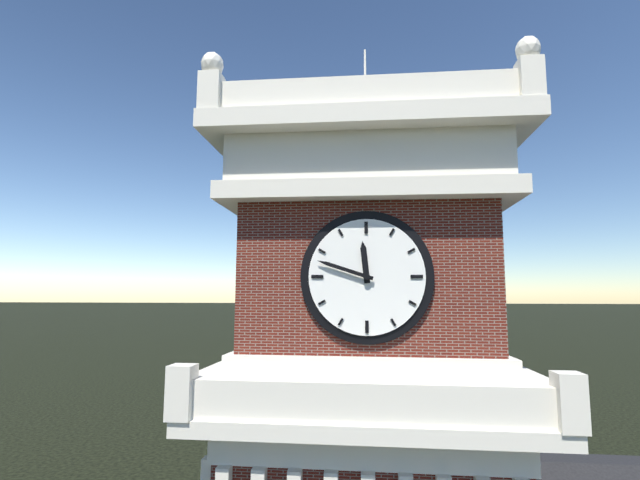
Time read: 11:48
